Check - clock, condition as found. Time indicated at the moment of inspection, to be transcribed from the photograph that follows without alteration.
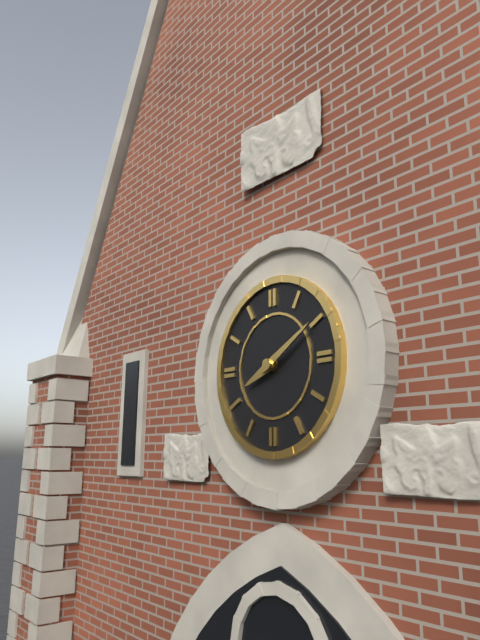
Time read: 8:10
